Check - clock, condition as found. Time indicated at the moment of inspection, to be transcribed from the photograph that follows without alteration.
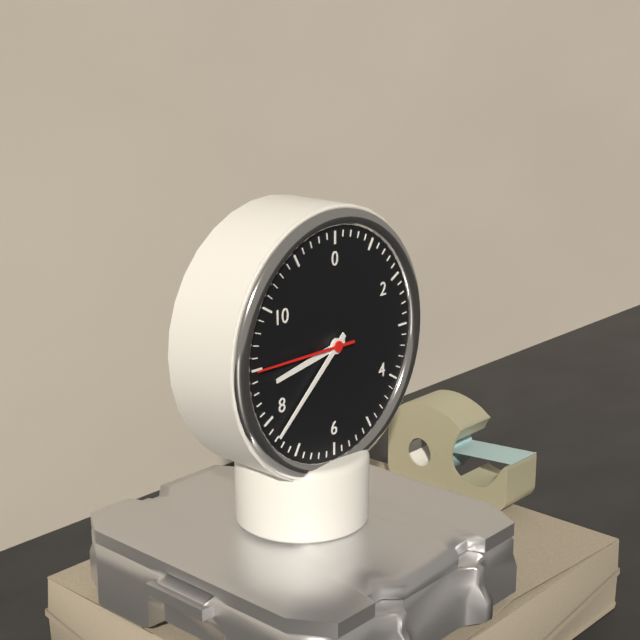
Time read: 8:38:45
